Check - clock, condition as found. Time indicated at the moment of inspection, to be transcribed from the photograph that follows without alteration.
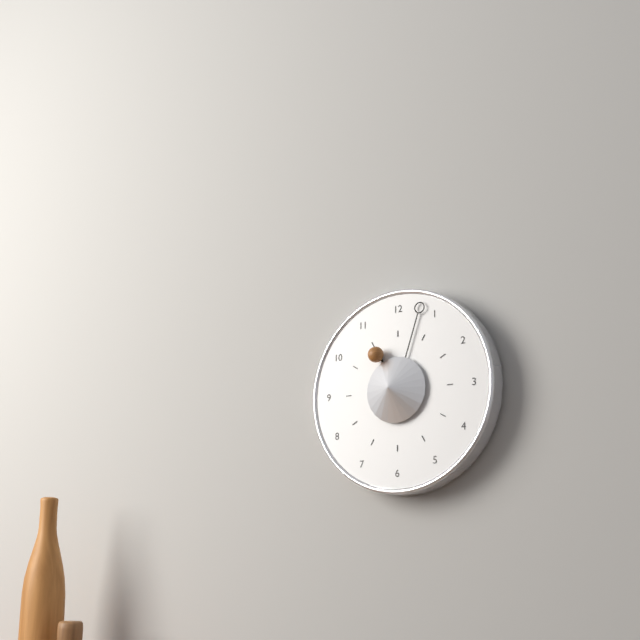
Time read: 11:03
